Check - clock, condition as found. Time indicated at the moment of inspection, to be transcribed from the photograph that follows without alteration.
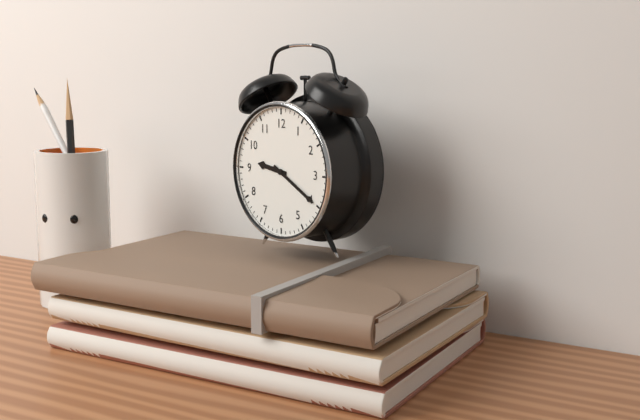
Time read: 9:20
